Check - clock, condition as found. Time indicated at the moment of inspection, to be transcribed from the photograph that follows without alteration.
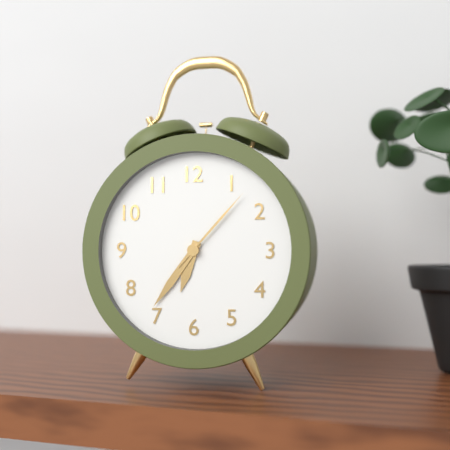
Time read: 6:36:07
